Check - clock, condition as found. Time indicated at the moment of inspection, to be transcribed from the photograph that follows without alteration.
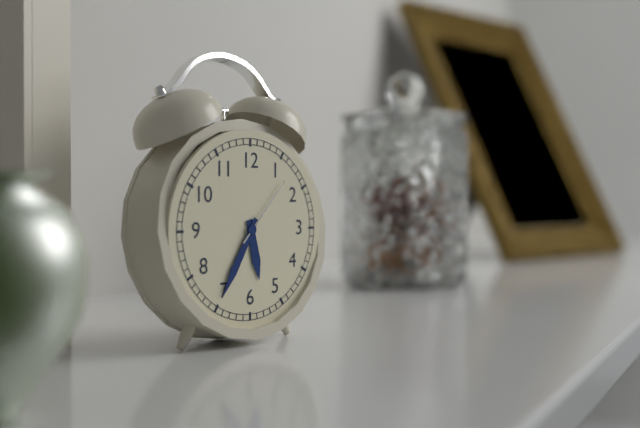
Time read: 5:35:07
